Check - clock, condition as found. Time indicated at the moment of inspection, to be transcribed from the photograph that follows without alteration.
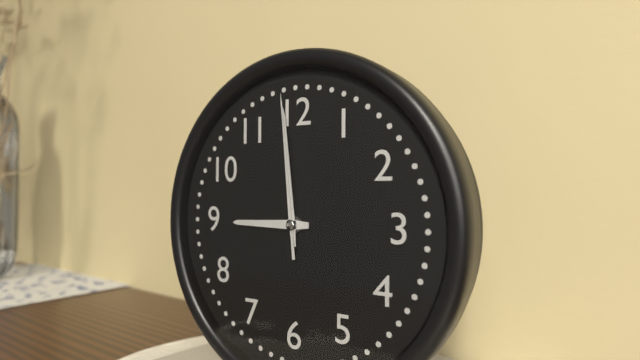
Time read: 8:59:59
